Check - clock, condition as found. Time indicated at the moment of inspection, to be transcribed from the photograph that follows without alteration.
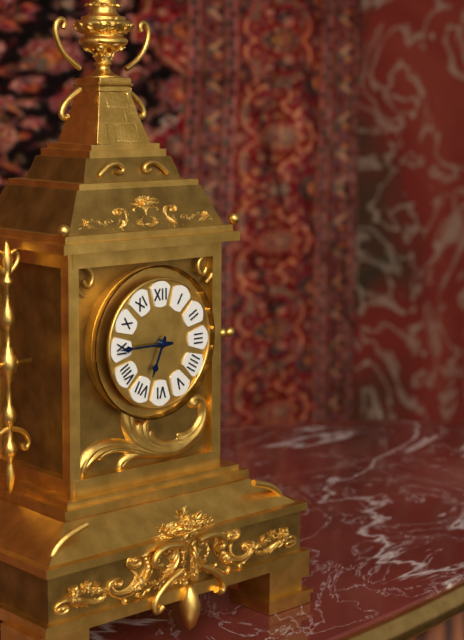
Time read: 6:45
